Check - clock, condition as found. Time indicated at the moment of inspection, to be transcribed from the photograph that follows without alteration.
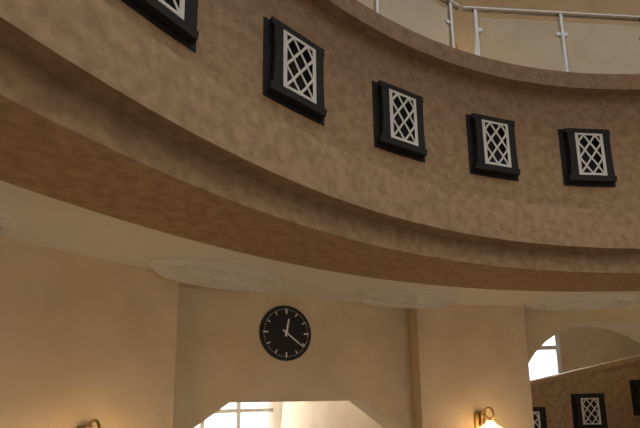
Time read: 12:21
